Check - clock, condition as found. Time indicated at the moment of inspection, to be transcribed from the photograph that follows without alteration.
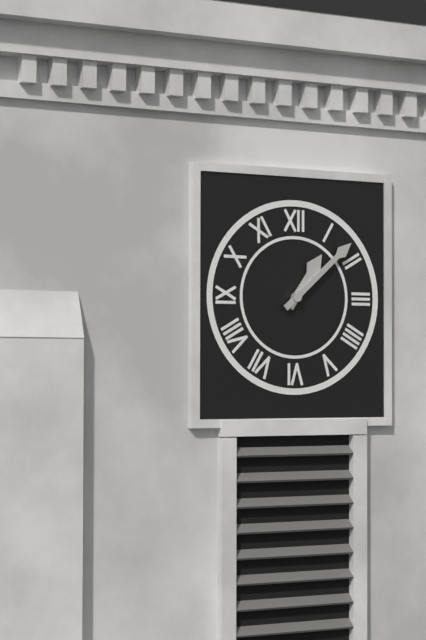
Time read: 1:08
